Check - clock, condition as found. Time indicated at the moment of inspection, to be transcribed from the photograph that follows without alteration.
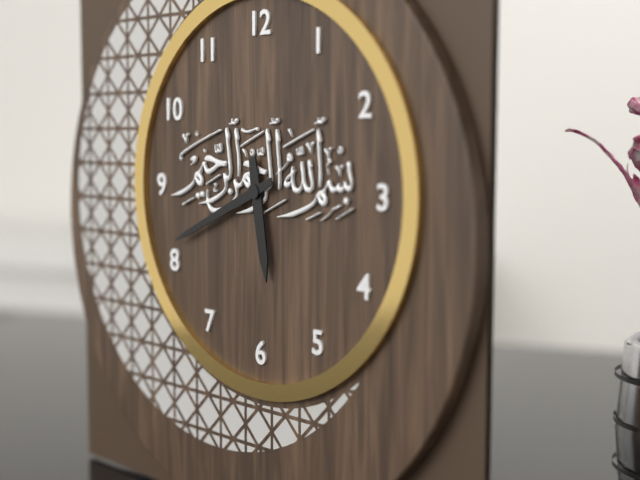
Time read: 5:41
